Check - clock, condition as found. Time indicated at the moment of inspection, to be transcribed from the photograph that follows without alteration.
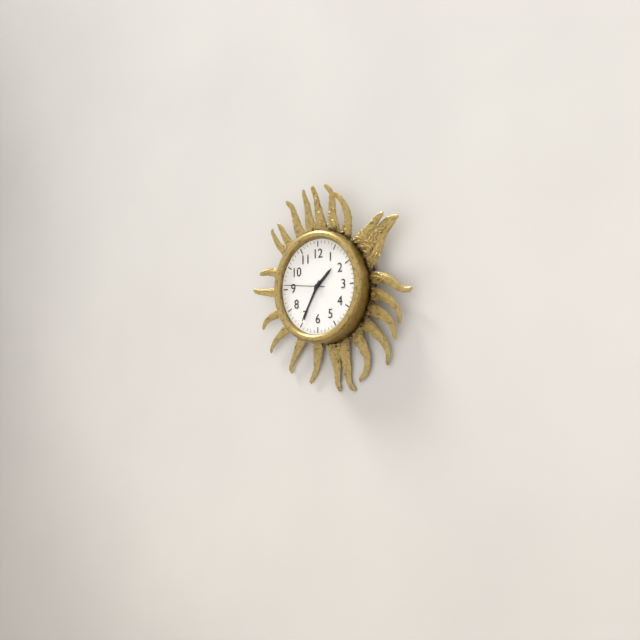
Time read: 1:35
